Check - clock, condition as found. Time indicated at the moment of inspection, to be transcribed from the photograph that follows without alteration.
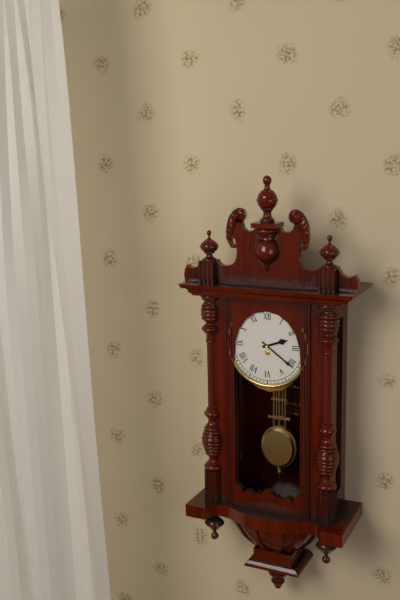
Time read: 2:21
